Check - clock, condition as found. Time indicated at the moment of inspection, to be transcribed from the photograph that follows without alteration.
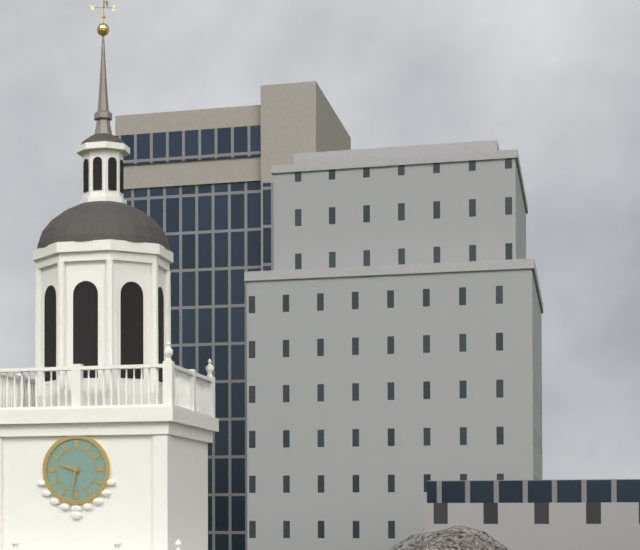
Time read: 9:32
